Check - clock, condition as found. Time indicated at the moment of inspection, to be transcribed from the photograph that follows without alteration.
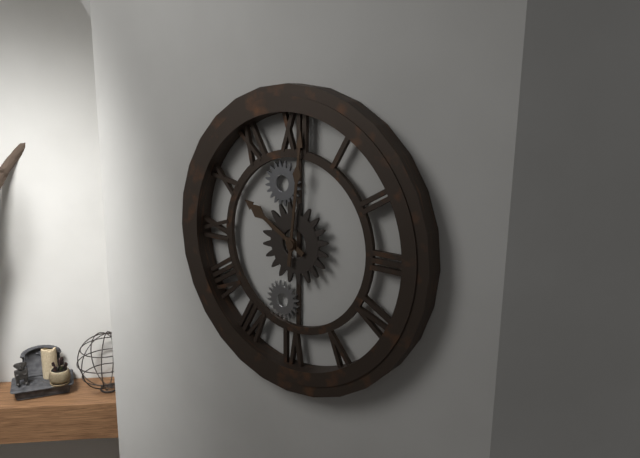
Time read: 10:01
